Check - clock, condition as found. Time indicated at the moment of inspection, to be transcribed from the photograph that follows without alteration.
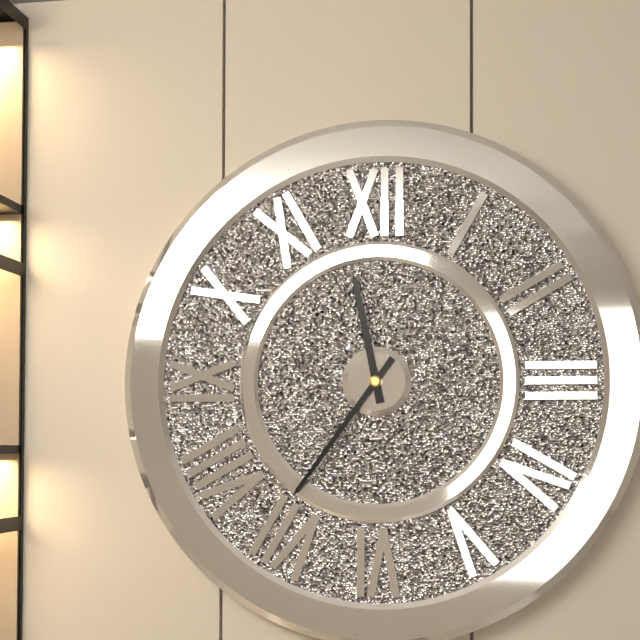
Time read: 11:36
